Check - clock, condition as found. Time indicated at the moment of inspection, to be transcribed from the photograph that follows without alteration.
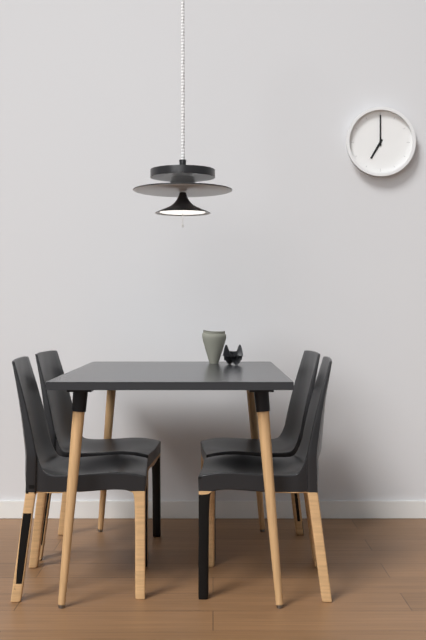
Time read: 7:00
